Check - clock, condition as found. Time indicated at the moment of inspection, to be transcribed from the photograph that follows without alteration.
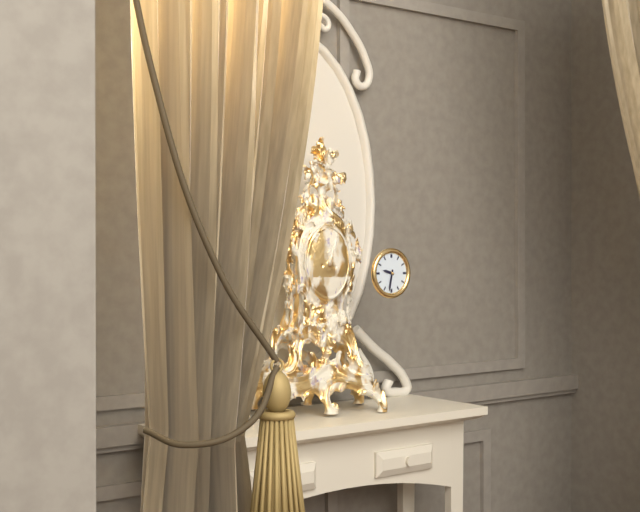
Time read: 9:32
